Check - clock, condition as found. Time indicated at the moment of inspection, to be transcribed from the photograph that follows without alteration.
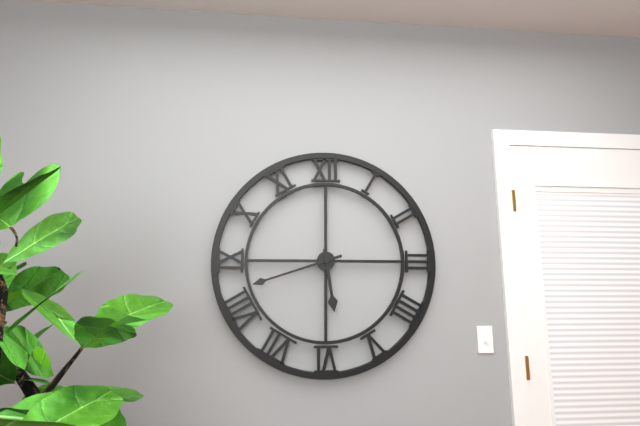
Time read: 5:42
